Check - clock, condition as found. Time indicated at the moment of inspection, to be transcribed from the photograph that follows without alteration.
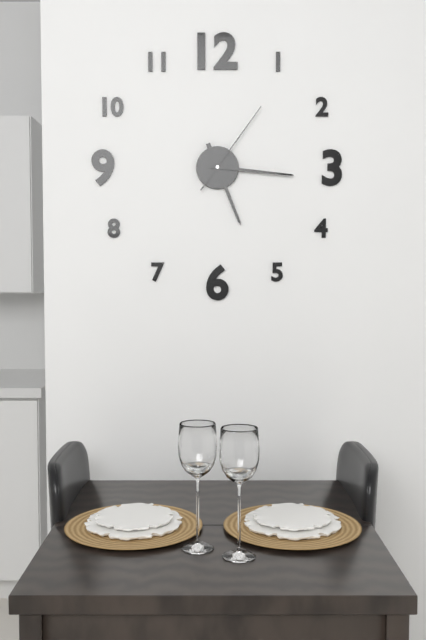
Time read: 5:16:06
